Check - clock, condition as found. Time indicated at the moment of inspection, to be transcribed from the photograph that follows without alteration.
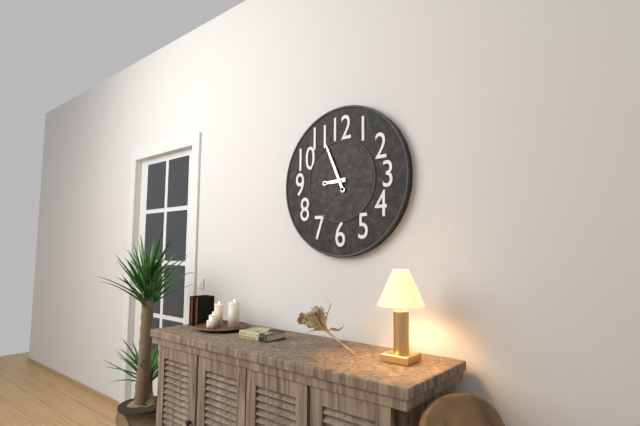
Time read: 8:56
